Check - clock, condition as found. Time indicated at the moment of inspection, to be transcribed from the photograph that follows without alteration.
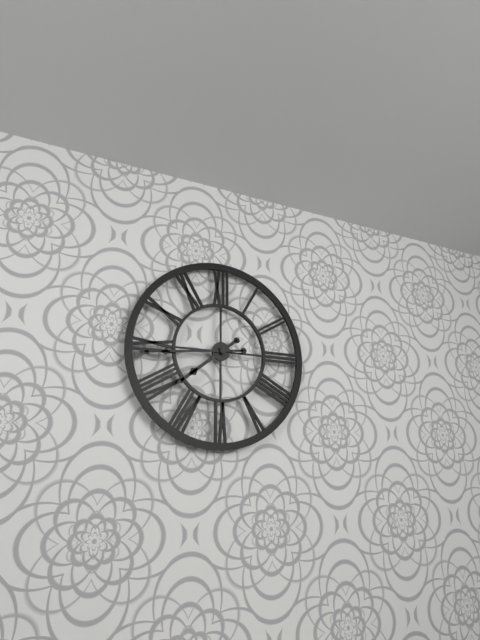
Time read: 7:44
